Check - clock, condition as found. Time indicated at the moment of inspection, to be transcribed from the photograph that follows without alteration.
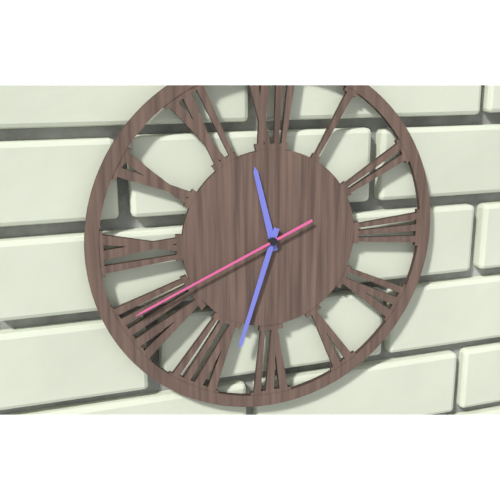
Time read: 11:33:41
